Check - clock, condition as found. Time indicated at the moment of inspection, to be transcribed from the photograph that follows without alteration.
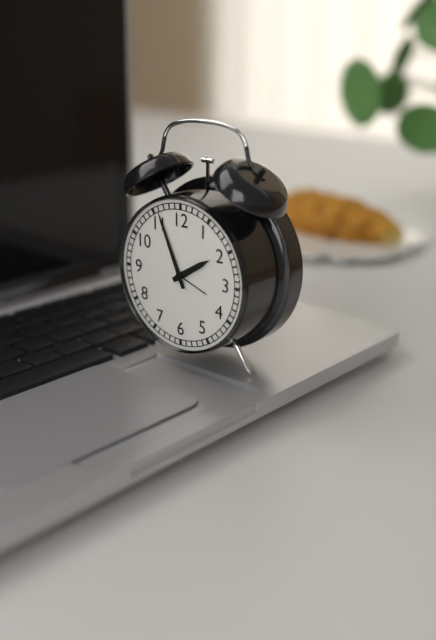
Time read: 1:56
